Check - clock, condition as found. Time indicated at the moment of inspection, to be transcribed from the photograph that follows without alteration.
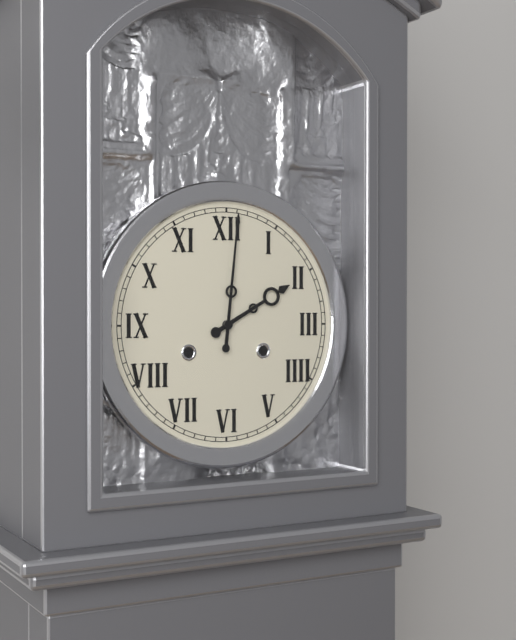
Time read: 2:01
